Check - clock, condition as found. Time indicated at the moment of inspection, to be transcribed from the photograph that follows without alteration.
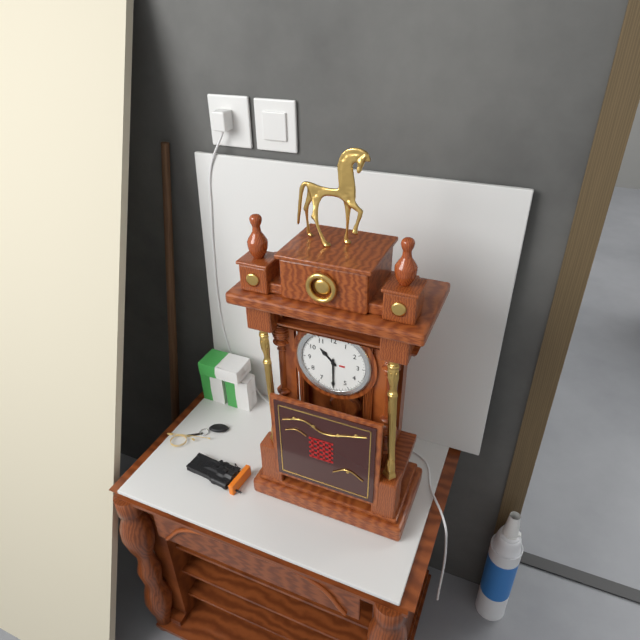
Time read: 10:30
